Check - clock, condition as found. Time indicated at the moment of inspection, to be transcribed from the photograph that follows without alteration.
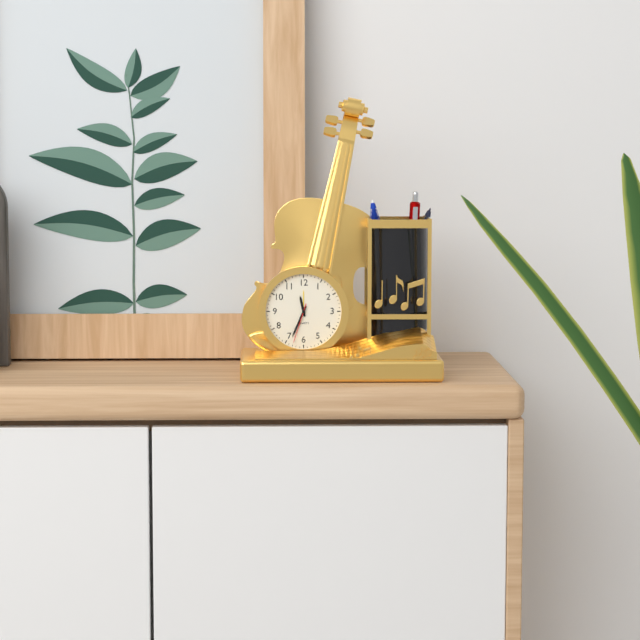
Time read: 11:34
